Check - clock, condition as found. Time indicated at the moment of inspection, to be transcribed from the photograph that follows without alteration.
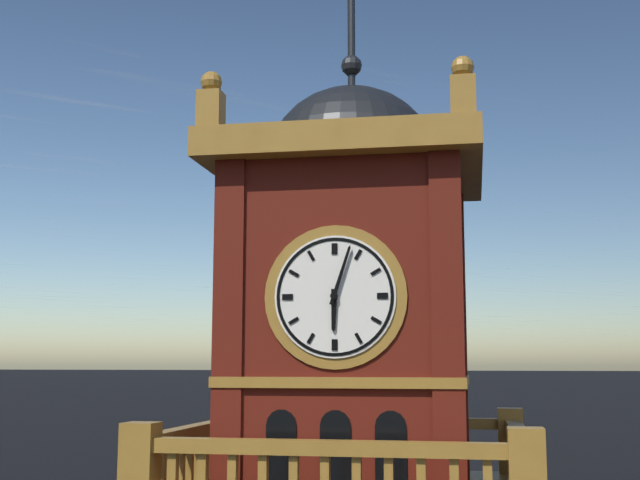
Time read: 6:03
